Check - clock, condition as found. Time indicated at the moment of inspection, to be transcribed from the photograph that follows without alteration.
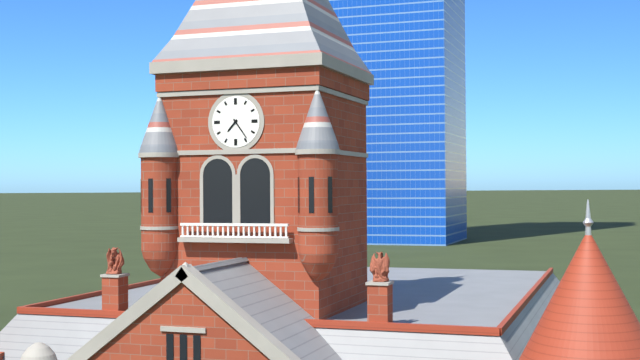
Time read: 7:24
